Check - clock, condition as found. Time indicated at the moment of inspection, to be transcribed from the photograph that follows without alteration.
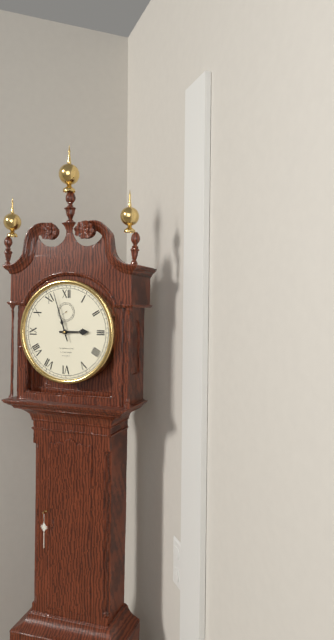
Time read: 2:57
